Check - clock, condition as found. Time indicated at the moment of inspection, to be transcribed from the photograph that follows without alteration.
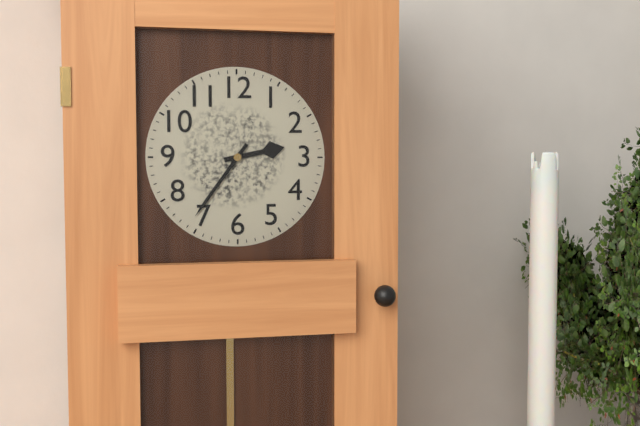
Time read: 2:36
